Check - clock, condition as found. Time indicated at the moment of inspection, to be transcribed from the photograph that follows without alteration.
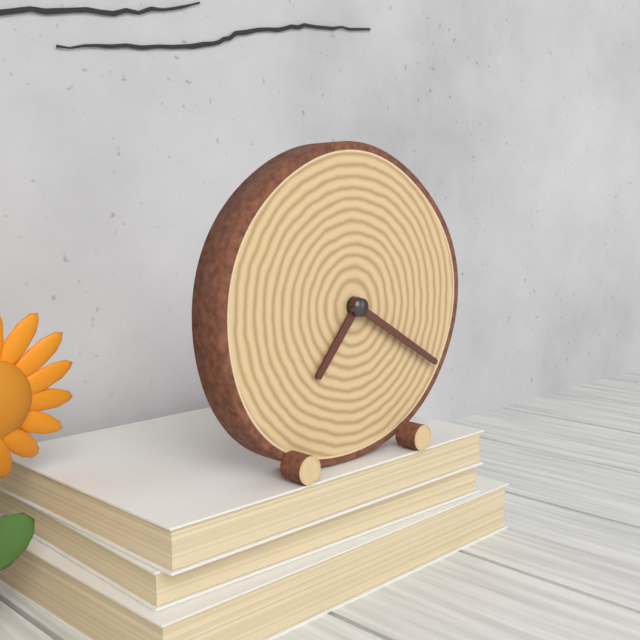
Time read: 7:20
